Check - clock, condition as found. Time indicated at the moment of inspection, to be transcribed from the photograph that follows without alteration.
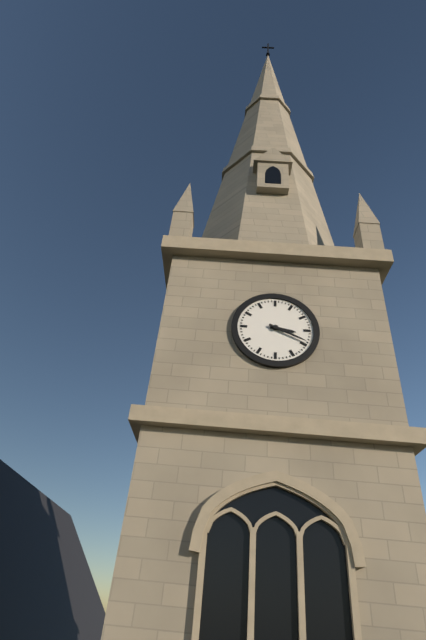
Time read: 3:19
